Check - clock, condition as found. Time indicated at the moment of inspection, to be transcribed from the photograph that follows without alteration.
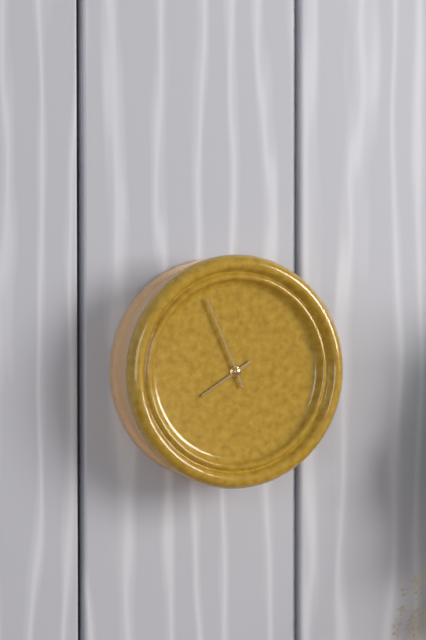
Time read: 7:56
